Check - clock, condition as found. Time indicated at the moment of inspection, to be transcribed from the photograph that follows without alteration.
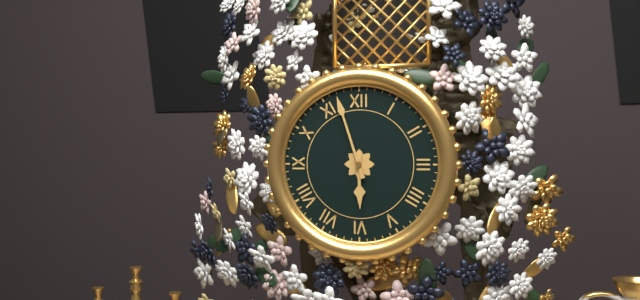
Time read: 5:57
